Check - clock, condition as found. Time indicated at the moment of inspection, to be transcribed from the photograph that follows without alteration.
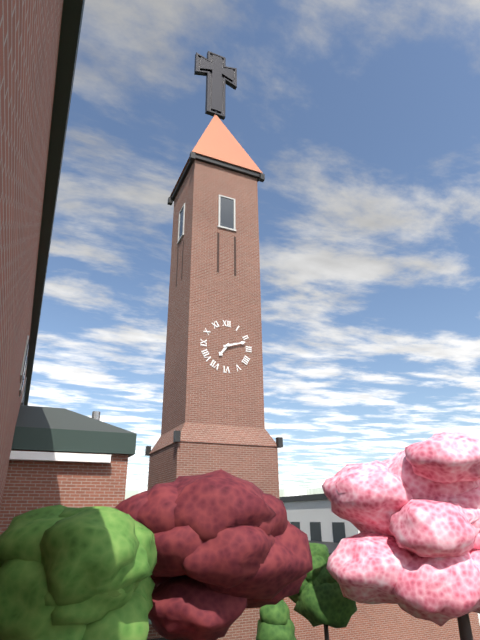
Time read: 7:12
